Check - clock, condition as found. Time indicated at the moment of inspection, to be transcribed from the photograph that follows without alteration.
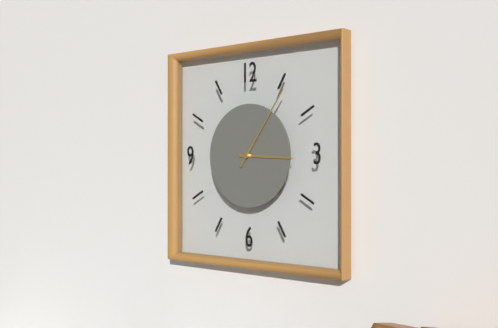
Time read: 3:06
